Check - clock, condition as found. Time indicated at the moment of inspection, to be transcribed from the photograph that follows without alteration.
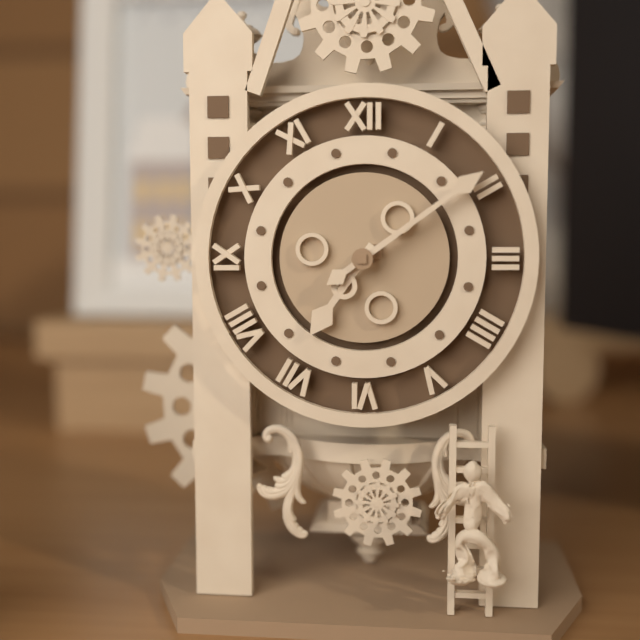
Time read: 7:09
